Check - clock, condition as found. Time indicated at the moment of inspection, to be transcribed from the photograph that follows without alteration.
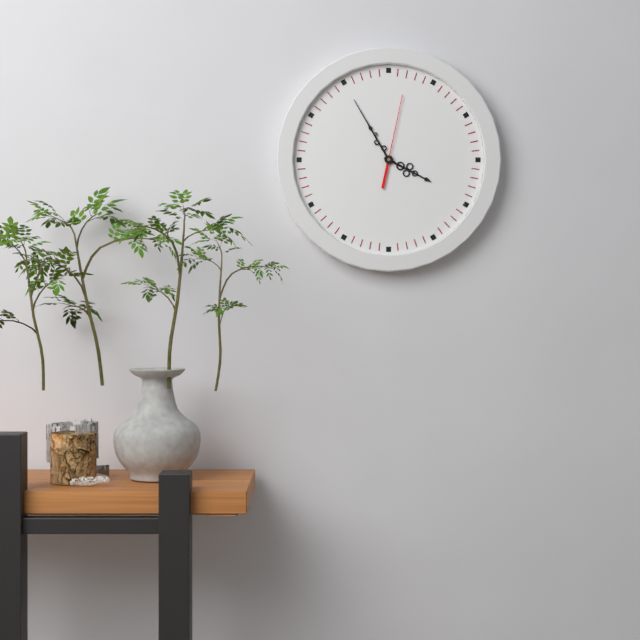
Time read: 3:55:02
